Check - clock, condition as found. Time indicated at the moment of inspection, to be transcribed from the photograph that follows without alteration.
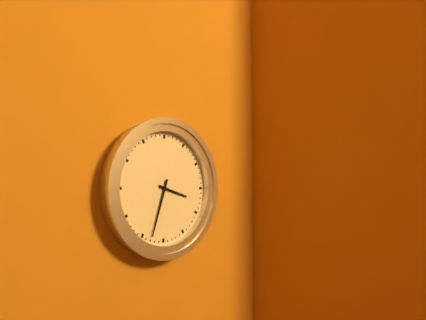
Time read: 3:33
